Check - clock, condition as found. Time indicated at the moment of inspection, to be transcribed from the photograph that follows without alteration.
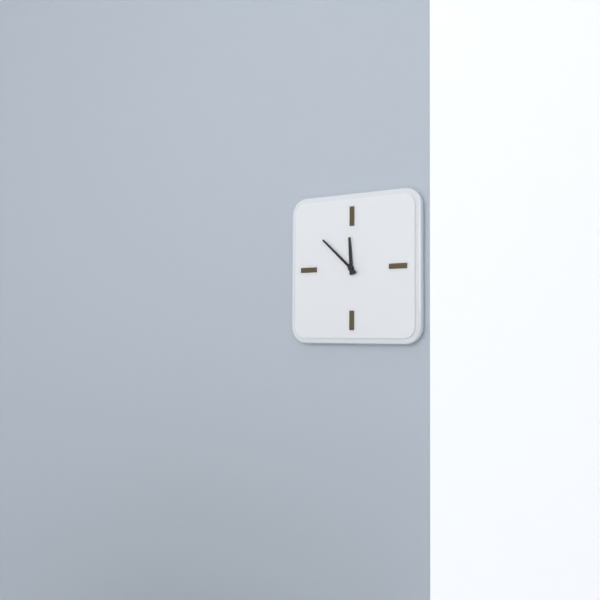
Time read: 11:52
